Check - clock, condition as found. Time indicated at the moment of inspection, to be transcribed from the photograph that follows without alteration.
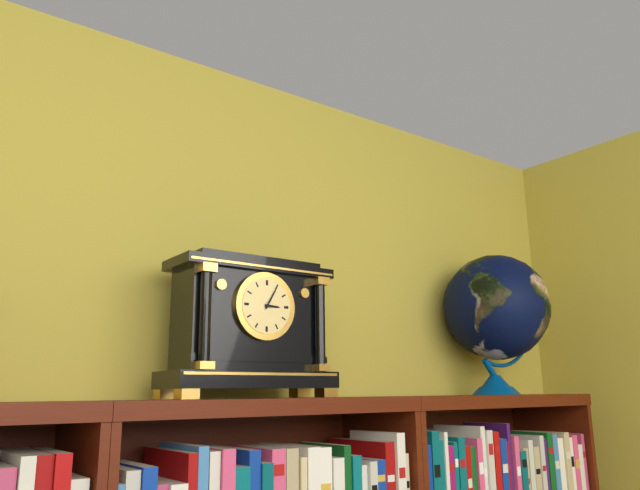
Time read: 3:05
